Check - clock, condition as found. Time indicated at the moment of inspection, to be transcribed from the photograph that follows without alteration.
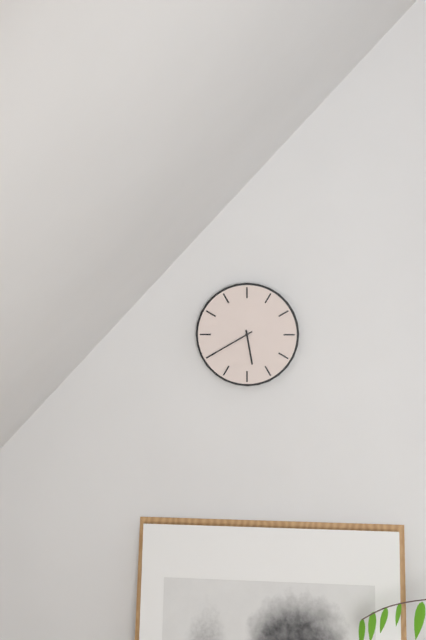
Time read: 5:40
